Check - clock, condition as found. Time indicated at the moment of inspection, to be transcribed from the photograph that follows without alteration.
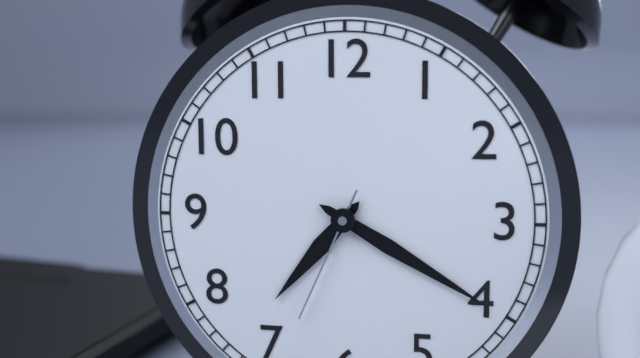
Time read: 7:20:34
